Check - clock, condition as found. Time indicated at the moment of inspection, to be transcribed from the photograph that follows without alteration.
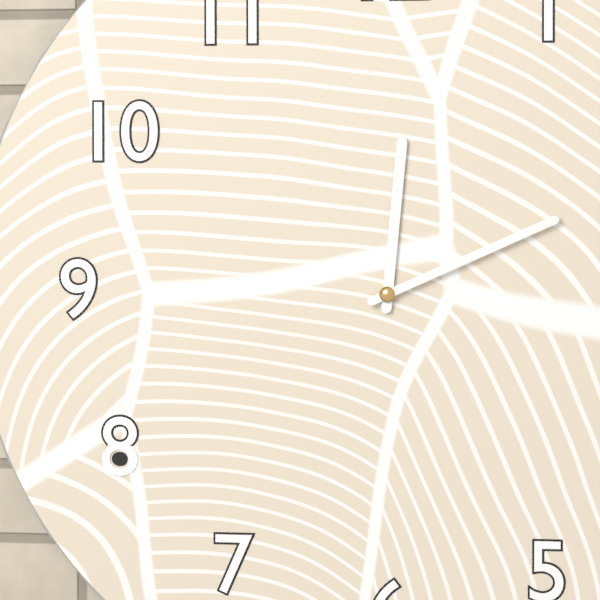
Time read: 12:11
